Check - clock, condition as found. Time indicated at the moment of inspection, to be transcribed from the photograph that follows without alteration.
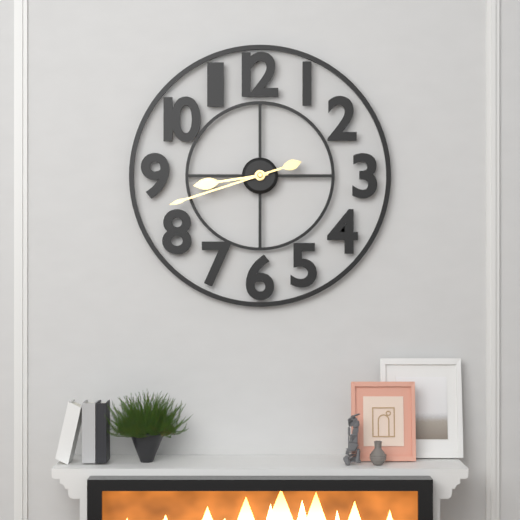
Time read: 8:42
